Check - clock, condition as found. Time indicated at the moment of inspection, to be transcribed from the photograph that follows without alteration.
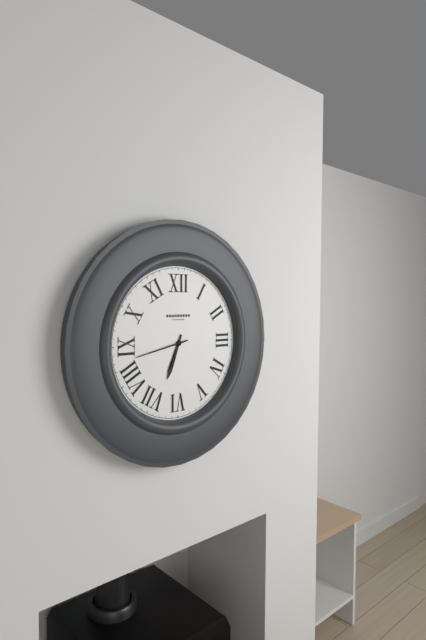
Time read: 6:43
